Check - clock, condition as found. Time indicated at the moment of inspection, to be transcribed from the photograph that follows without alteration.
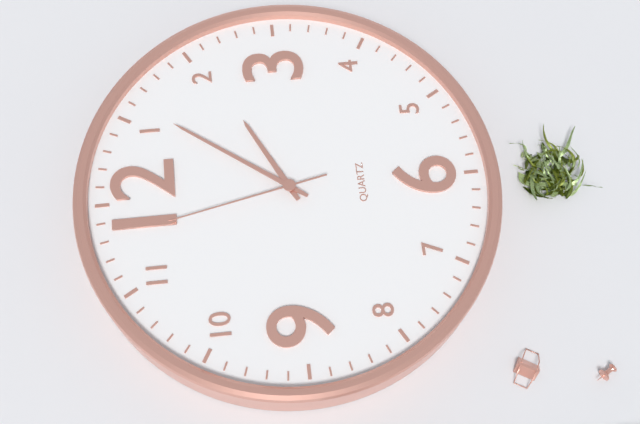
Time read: 2:06:58
